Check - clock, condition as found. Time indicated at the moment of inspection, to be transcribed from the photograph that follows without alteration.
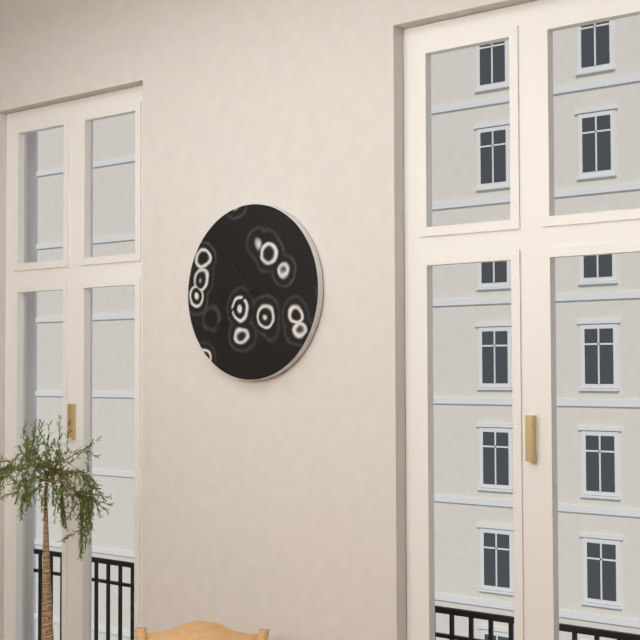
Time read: 10:39
